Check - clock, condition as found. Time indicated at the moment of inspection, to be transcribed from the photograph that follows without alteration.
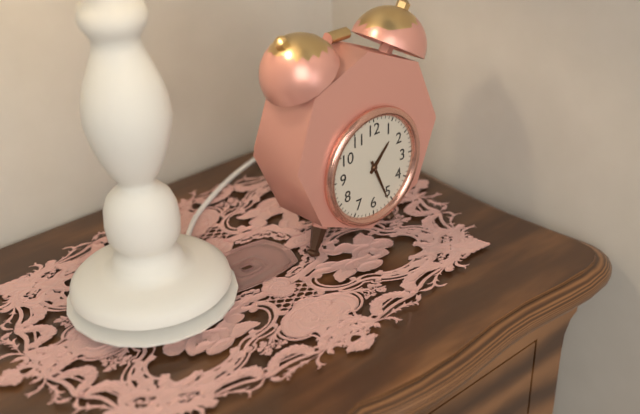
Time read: 1:26
